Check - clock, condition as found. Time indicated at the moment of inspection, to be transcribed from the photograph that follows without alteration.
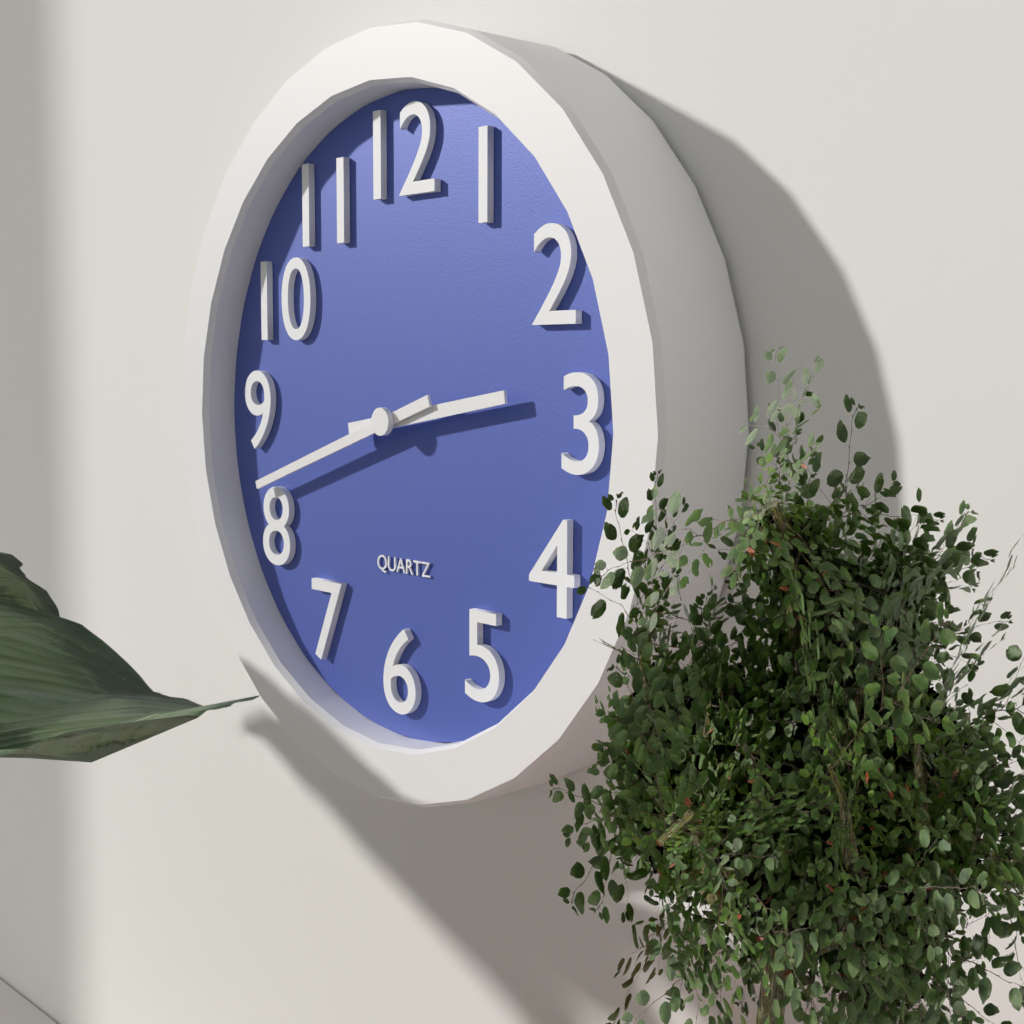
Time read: 2:42
